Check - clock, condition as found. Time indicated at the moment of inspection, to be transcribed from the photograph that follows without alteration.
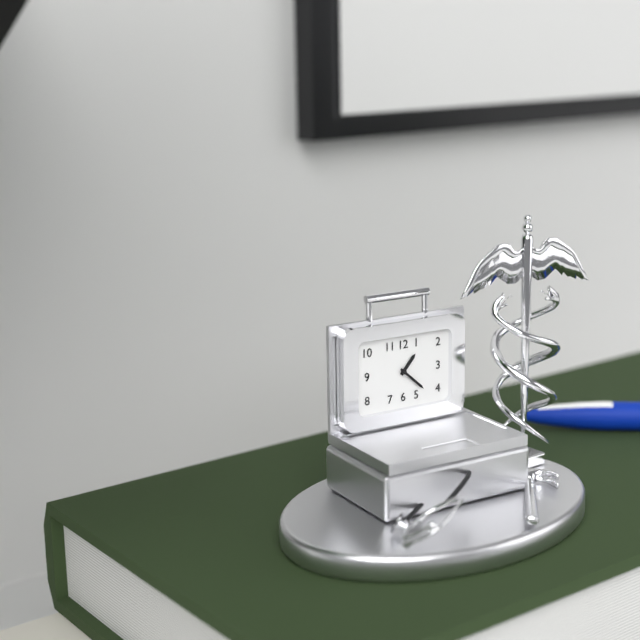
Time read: 1:22
